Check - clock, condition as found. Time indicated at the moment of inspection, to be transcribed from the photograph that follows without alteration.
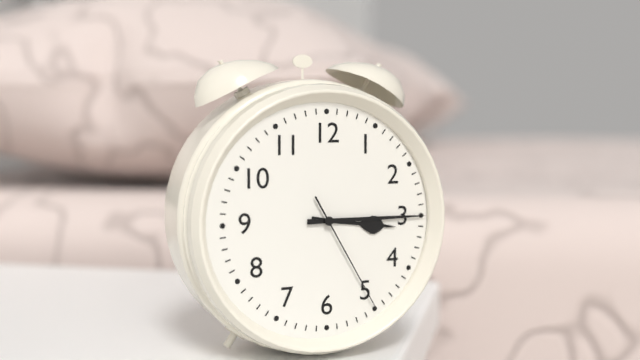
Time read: 3:15:25
